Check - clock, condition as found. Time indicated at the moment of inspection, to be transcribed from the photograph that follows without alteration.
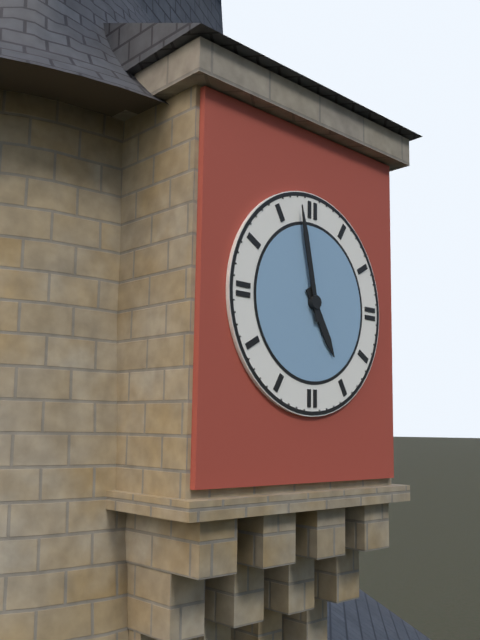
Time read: 4:58
